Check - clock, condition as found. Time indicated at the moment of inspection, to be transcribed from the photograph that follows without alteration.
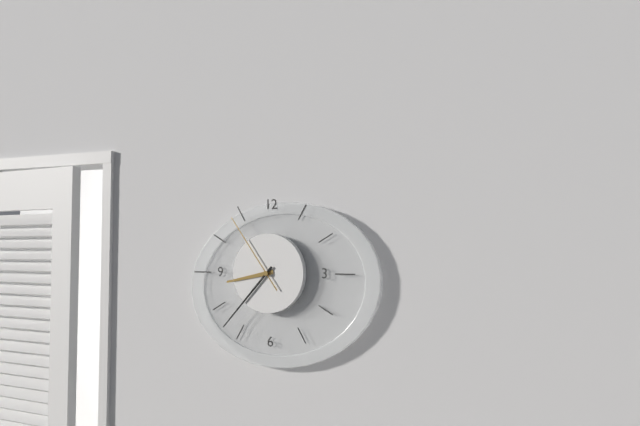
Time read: 8:37:54
